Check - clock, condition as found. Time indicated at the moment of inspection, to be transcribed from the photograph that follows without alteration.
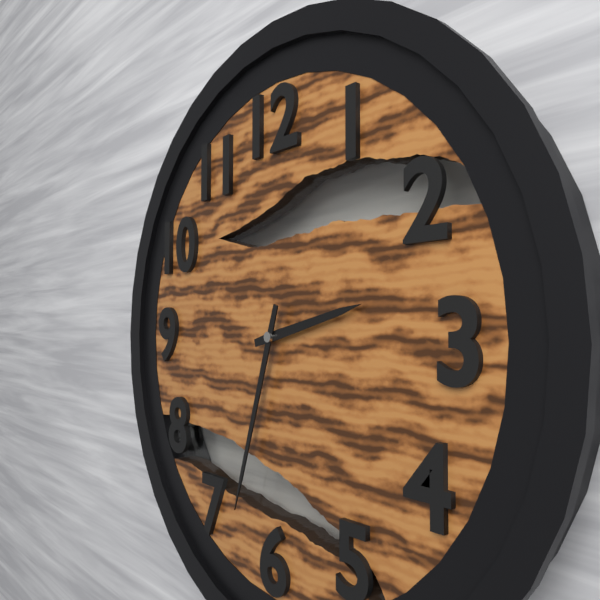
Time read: 2:33
